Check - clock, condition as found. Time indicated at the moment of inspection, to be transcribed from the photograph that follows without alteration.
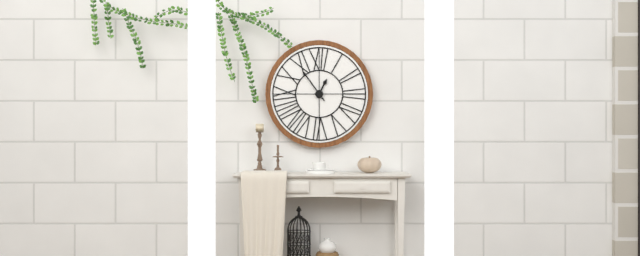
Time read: 12:54
